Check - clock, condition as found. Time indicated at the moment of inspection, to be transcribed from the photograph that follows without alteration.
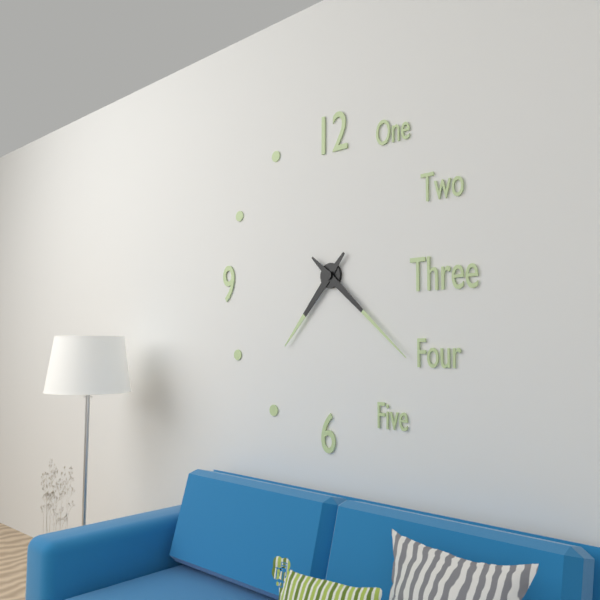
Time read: 7:22
